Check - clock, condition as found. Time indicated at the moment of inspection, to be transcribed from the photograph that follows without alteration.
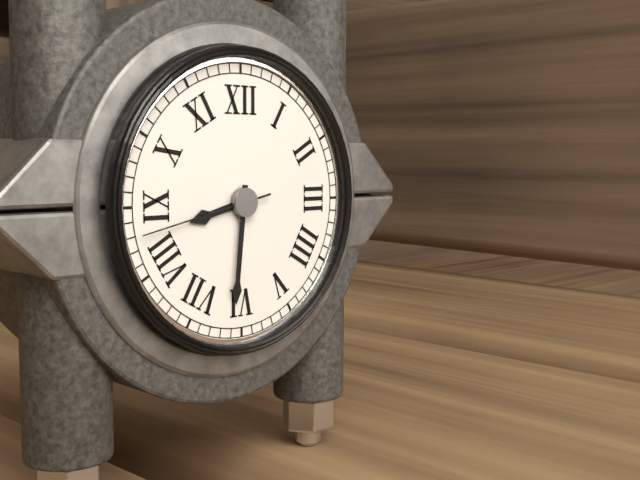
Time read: 8:31:43
